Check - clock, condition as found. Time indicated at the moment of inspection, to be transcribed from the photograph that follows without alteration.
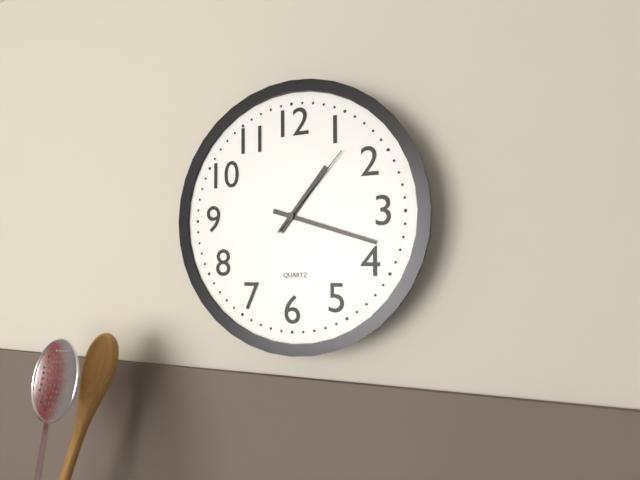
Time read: 1:18:07
